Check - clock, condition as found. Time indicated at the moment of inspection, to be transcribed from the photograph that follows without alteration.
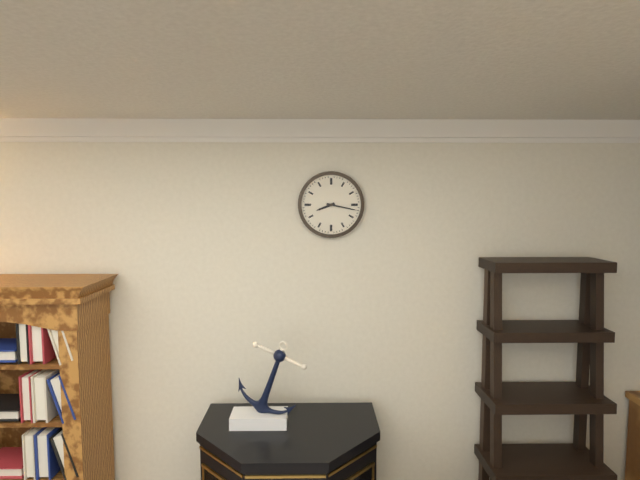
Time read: 8:17
